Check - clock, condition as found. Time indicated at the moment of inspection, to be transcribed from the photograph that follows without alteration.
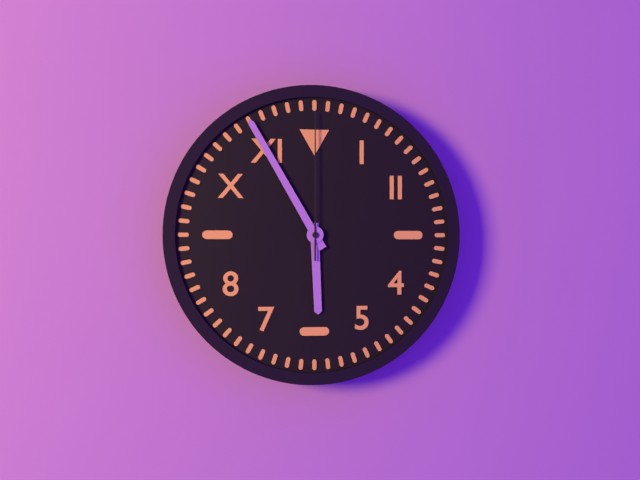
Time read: 5:55:00
